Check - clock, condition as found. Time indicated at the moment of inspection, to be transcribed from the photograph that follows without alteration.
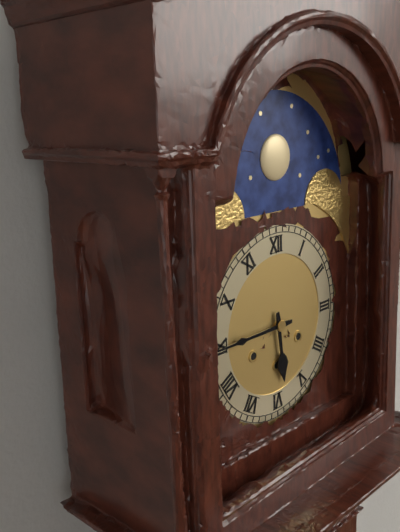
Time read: 5:45
